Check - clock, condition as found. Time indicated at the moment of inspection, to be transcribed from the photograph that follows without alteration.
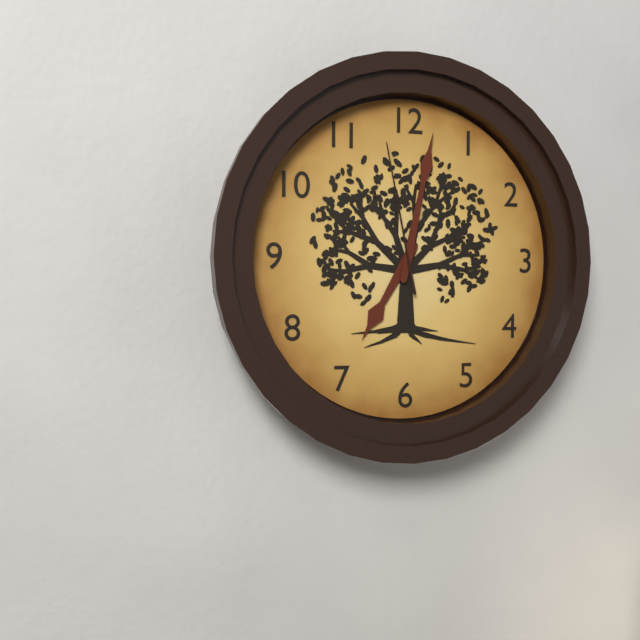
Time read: 7:02:58
